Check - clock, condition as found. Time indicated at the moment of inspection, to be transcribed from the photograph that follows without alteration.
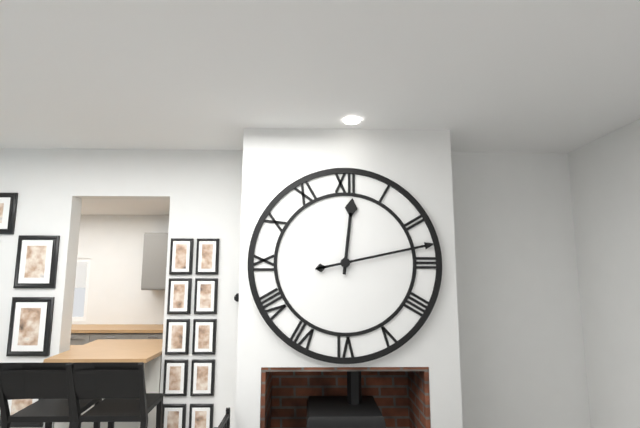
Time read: 12:13
